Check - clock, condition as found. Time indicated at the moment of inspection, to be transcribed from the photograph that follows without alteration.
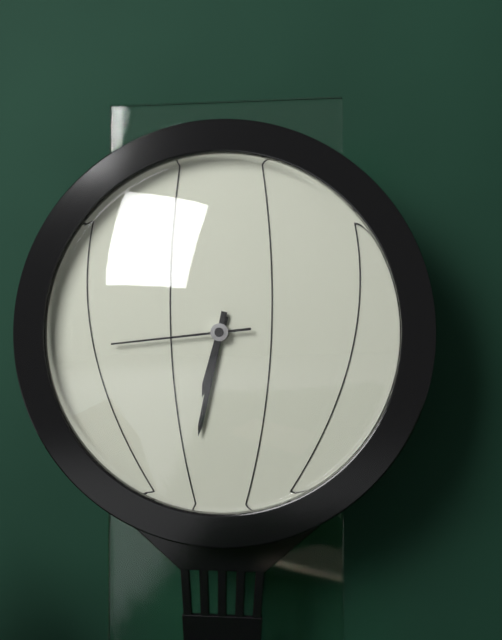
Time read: 6:32:44
